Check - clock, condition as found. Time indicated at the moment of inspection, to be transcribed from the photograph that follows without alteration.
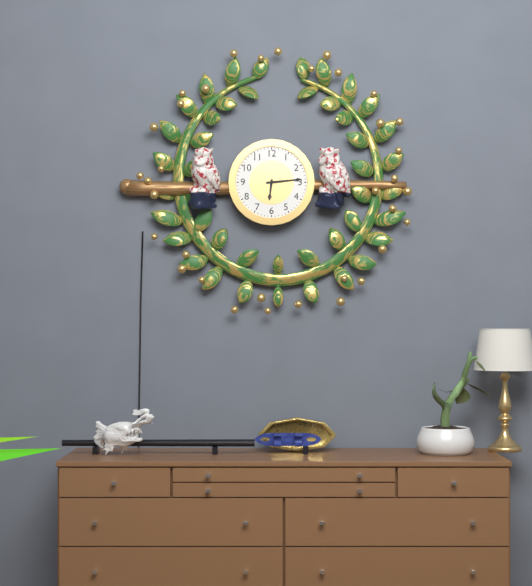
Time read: 6:14
